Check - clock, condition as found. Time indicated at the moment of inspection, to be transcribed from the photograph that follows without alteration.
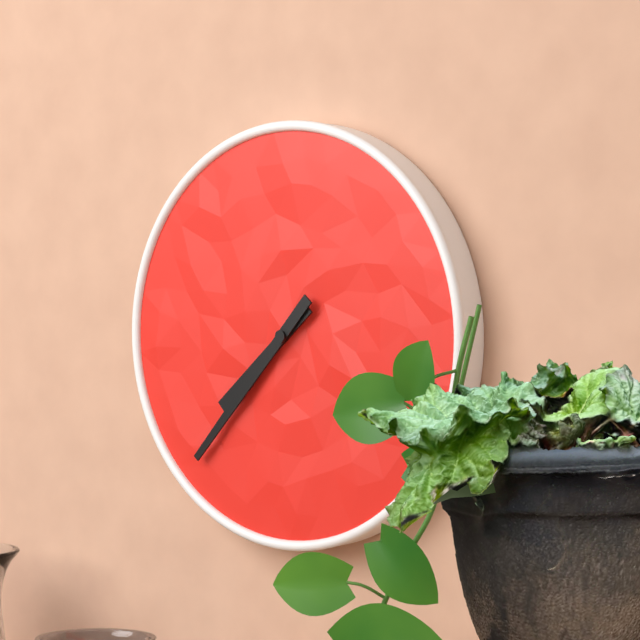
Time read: 7:37
